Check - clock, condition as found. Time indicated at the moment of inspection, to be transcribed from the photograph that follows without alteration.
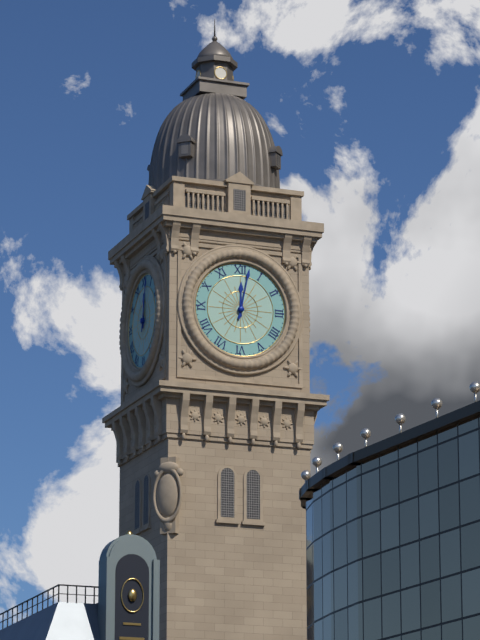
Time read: 12:02
